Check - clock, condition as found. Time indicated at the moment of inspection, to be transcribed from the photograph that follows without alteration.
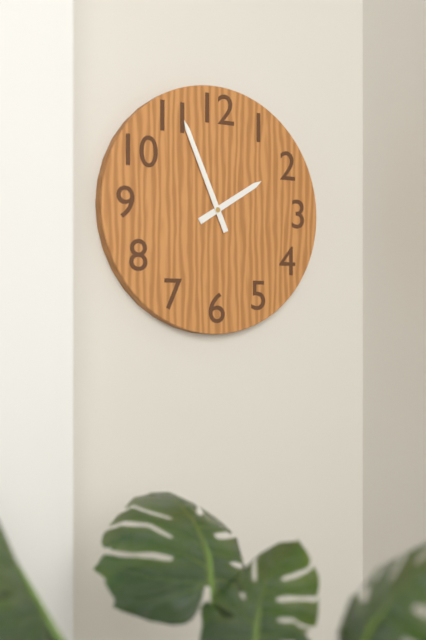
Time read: 1:56
